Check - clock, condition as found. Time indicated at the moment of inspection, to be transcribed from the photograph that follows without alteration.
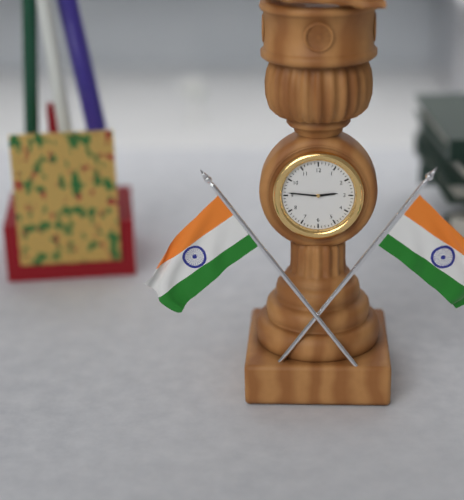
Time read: 2:46
